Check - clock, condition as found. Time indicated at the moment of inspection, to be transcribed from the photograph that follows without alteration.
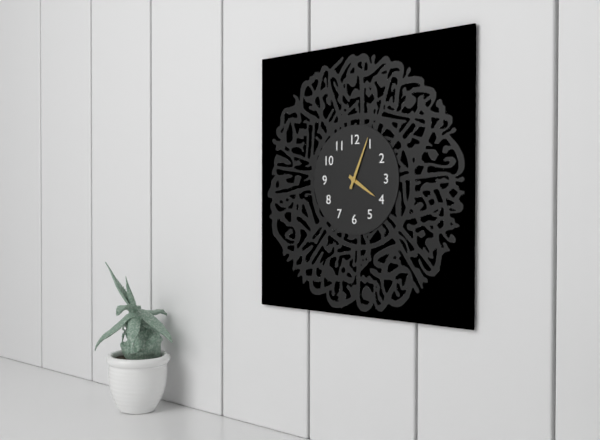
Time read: 4:04
